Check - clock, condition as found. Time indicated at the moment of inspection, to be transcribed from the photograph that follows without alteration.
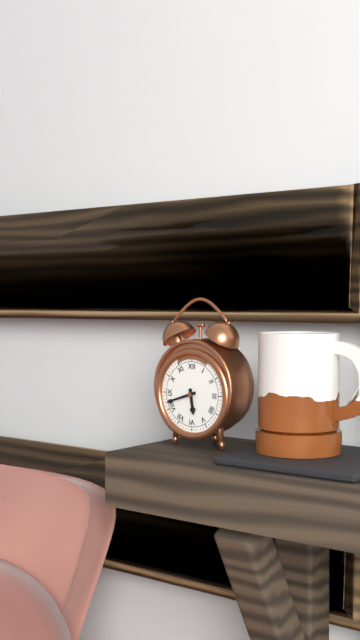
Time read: 5:42
